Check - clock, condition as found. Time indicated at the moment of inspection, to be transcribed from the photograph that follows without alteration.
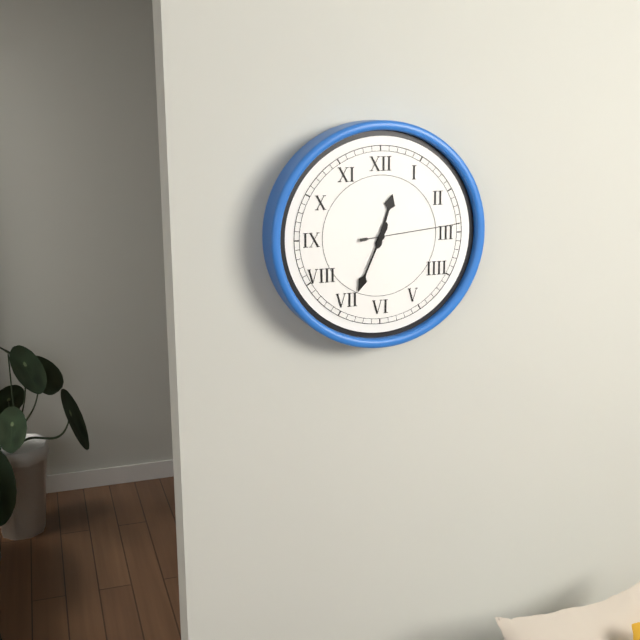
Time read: 12:34:14
